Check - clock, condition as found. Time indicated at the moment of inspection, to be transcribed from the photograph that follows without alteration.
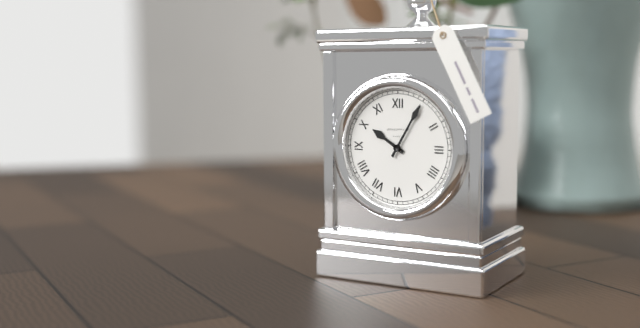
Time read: 10:05
